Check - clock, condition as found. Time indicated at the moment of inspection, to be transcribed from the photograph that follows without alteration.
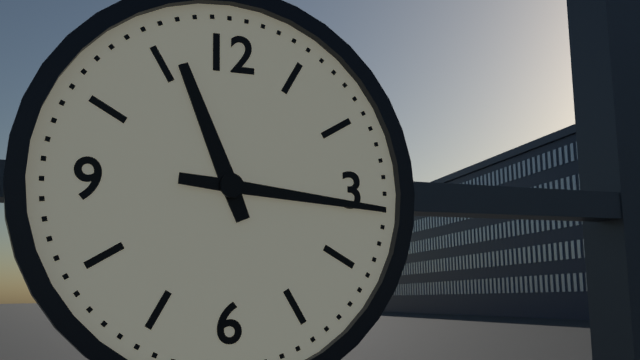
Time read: 11:16
